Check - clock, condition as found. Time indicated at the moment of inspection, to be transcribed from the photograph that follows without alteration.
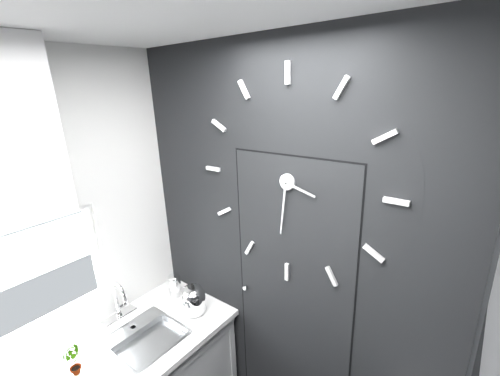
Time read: 3:31
